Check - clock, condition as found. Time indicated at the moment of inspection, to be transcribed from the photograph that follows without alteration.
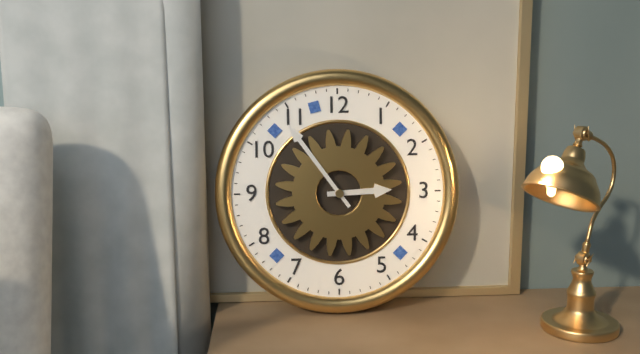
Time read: 2:54
